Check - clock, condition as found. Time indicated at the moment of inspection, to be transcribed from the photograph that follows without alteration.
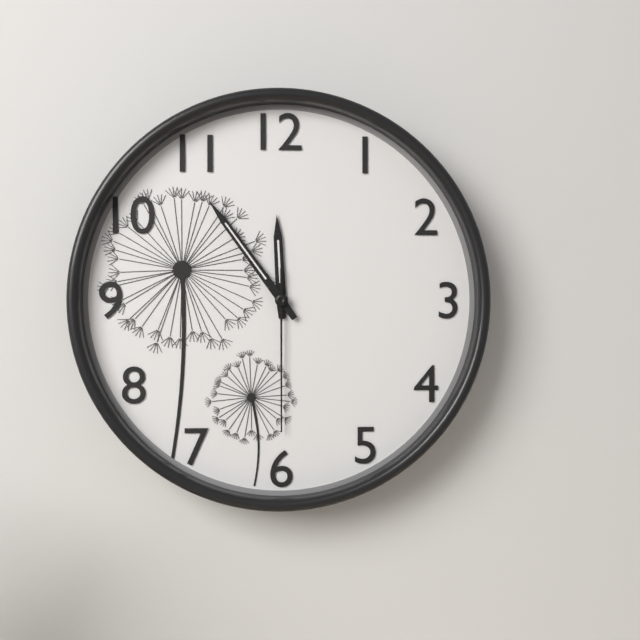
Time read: 11:54:30
